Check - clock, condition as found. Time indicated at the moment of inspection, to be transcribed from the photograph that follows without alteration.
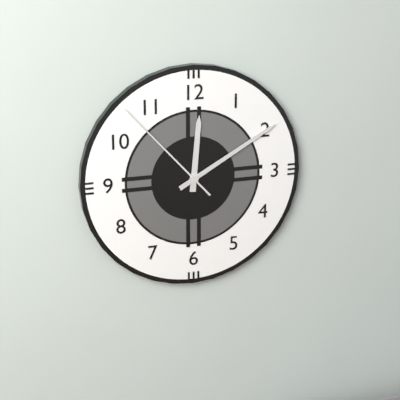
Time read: 12:10:53
